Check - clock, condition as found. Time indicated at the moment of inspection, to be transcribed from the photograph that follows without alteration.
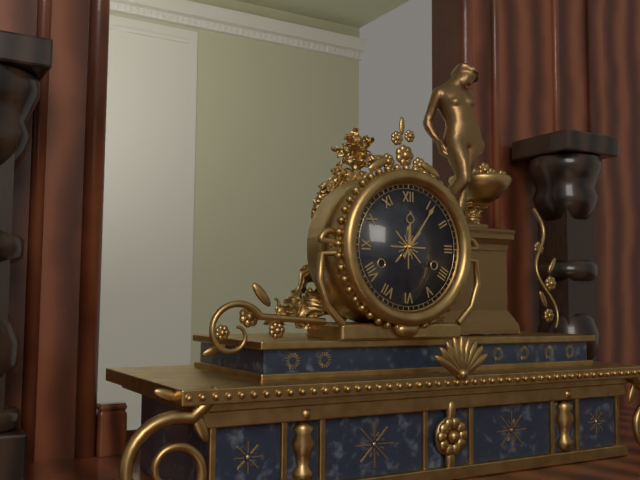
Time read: 12:06
